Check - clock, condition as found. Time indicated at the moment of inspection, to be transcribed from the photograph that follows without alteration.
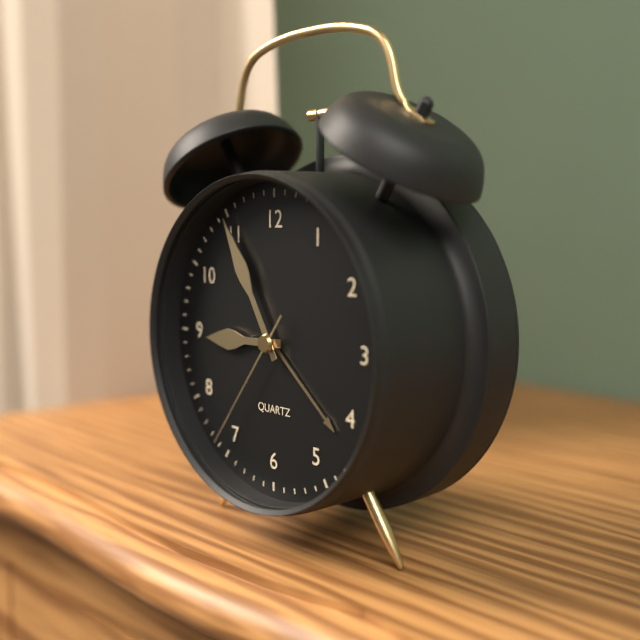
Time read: 8:55:36
